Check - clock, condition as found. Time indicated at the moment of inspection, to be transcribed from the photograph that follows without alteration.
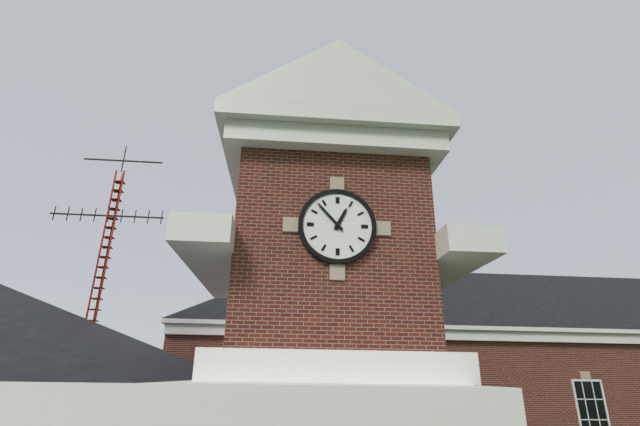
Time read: 12:53
